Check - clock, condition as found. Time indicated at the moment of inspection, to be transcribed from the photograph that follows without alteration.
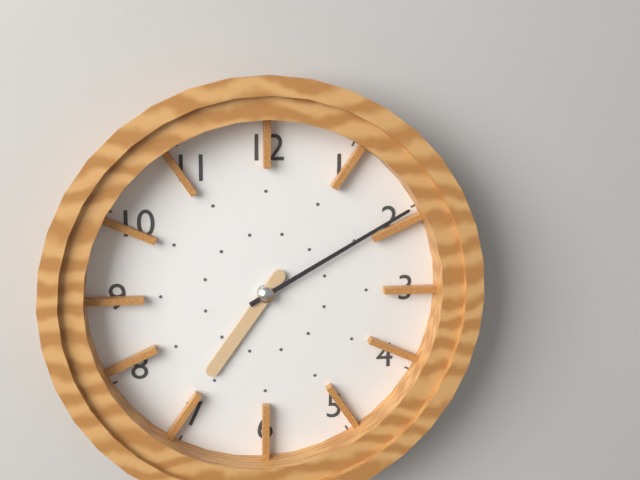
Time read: 7:10
